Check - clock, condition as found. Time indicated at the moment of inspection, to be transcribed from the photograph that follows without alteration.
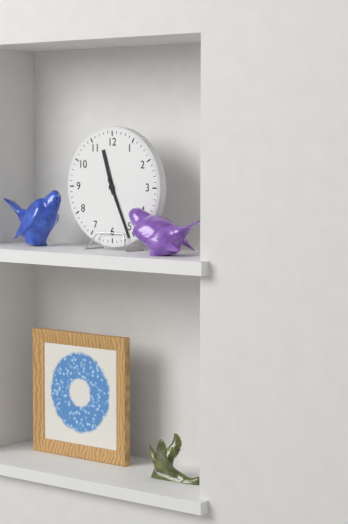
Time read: 11:26
